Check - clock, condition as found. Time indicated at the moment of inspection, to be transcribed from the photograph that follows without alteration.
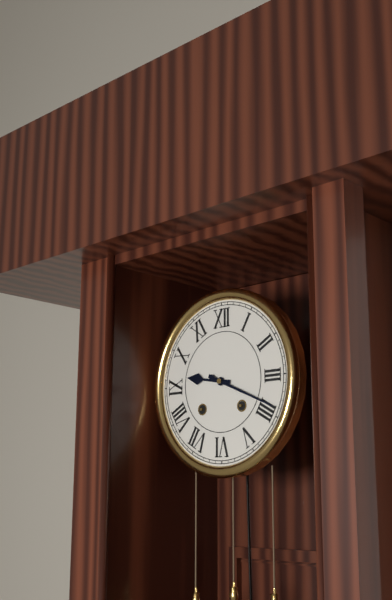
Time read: 9:19
